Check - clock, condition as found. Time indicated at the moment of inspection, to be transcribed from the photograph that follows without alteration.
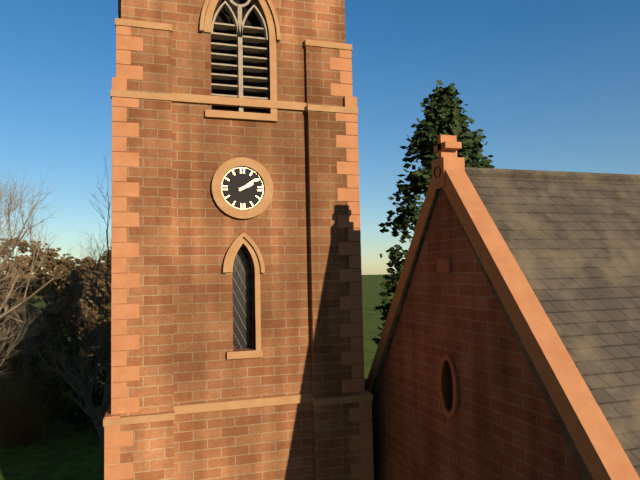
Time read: 2:09
